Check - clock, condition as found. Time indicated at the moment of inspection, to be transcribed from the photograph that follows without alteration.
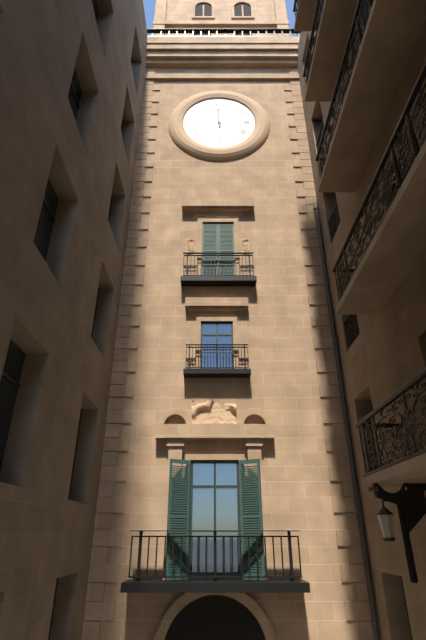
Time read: 11:59
